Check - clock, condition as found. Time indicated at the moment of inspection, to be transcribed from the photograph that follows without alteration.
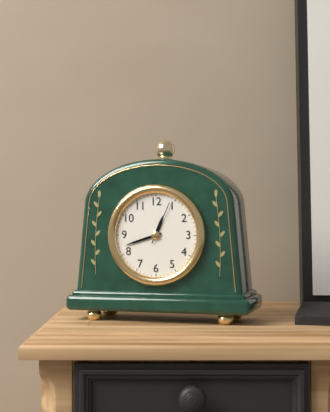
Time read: 12:42
